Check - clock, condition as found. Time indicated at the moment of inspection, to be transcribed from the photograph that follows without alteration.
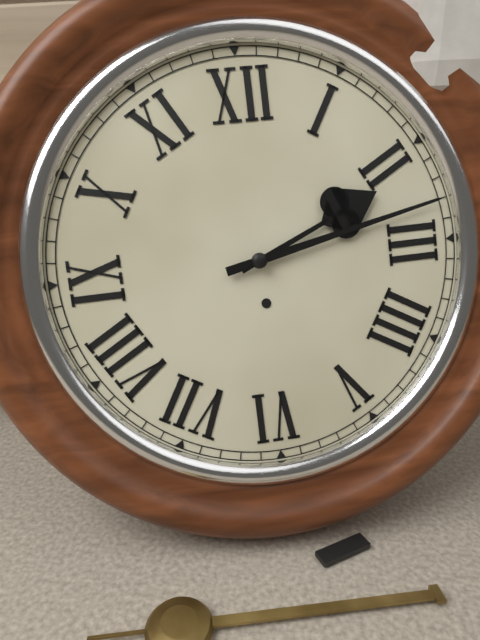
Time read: 2:13
